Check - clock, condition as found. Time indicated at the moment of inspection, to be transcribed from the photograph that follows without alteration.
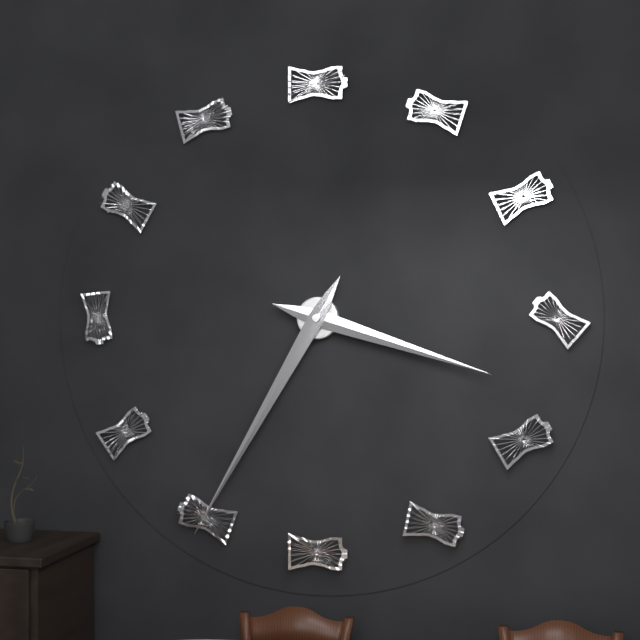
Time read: 3:35
